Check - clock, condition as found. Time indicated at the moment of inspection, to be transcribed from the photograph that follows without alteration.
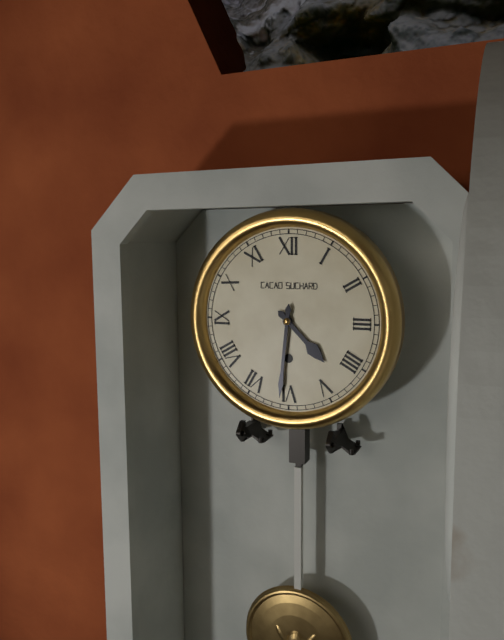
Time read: 4:31
